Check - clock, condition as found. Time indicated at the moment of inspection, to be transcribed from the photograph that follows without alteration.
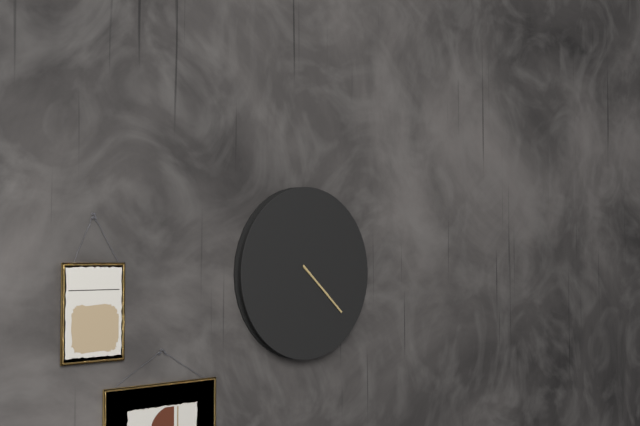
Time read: 4:22
